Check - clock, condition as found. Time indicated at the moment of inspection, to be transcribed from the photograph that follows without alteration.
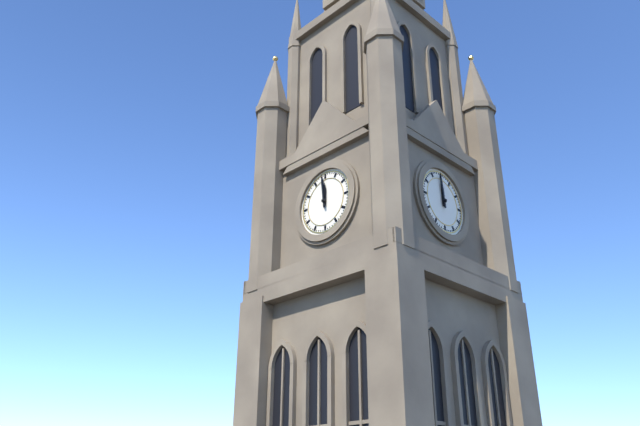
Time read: 11:59
